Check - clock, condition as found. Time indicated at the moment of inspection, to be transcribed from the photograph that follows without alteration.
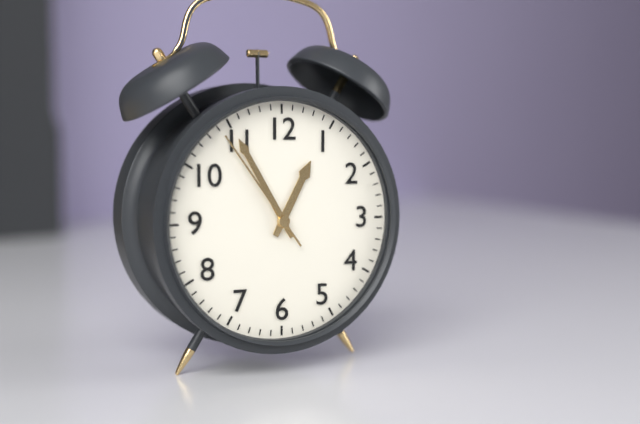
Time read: 12:55:54
